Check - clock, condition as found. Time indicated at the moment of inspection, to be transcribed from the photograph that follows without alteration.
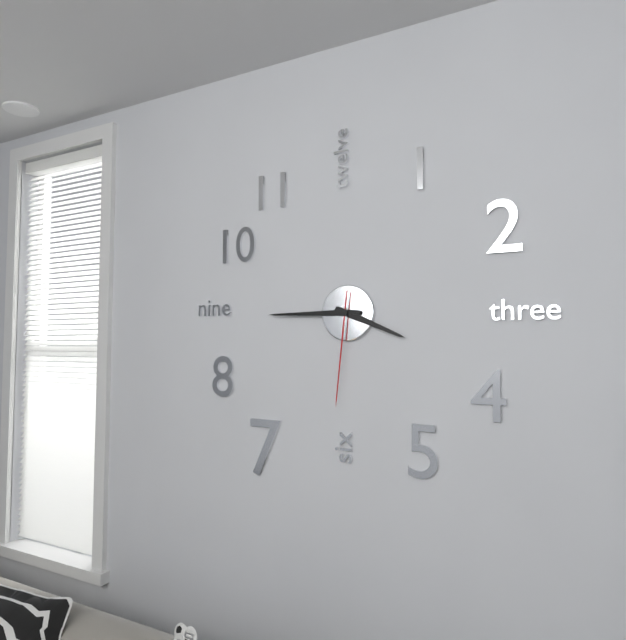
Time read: 3:45:31
